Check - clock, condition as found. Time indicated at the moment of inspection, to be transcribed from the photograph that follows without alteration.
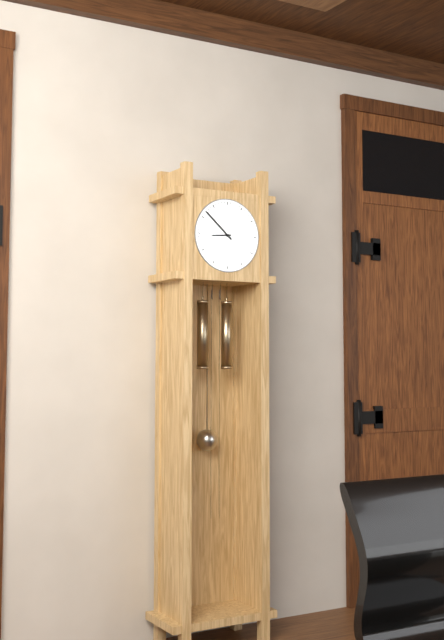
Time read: 8:52
